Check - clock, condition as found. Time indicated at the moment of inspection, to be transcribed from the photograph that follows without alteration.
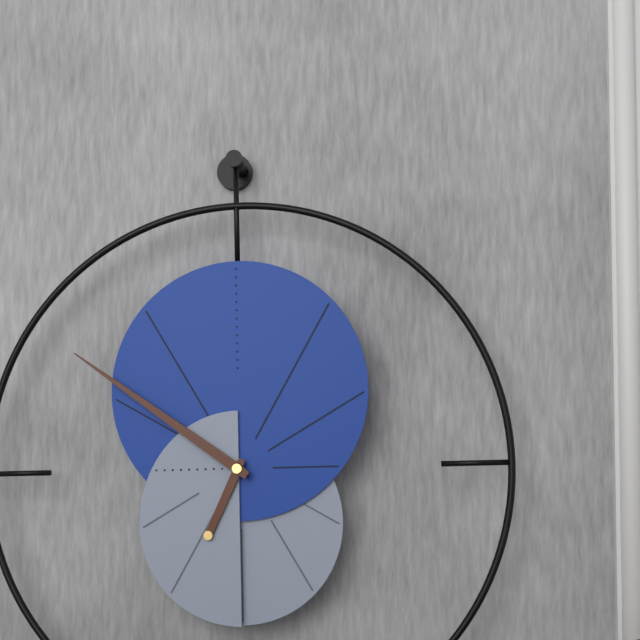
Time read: 6:51
